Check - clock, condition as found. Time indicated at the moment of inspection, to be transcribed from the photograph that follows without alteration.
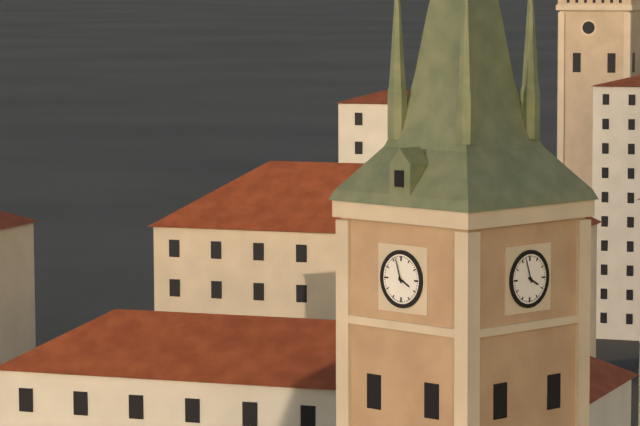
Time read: 3:57
